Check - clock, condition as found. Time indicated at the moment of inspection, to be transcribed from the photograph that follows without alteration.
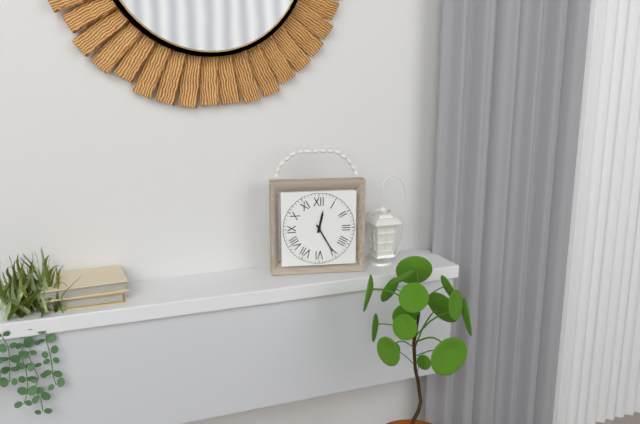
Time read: 12:25
